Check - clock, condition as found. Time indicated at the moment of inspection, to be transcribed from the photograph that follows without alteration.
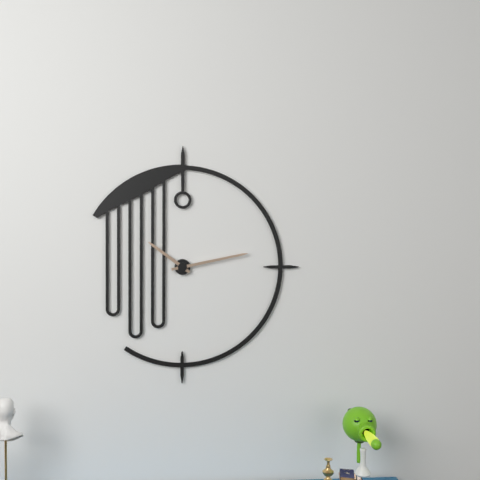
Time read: 10:13
